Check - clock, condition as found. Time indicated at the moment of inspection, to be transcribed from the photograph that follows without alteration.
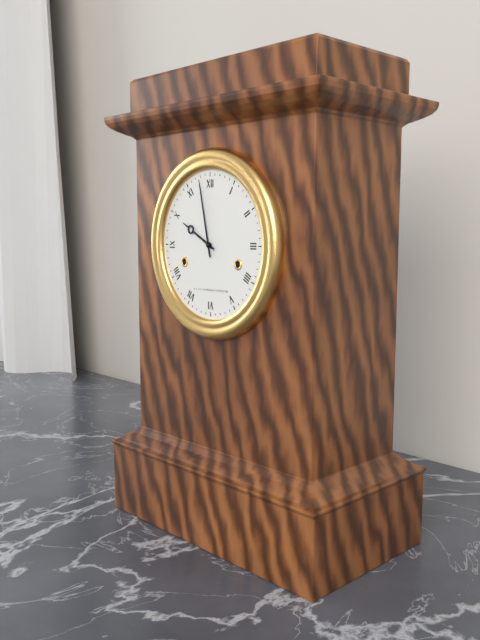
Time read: 9:58
